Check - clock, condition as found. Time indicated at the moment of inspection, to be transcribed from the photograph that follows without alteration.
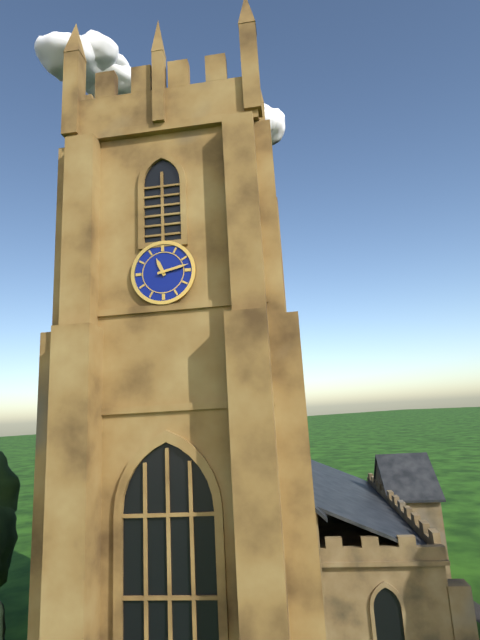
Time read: 11:13
